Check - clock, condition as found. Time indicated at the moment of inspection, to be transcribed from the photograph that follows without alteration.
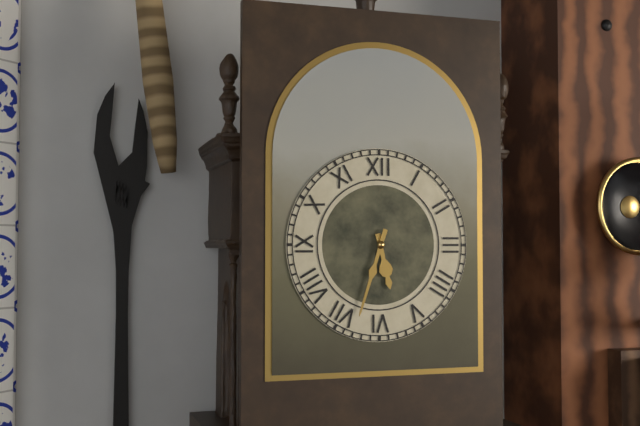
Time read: 5:33
